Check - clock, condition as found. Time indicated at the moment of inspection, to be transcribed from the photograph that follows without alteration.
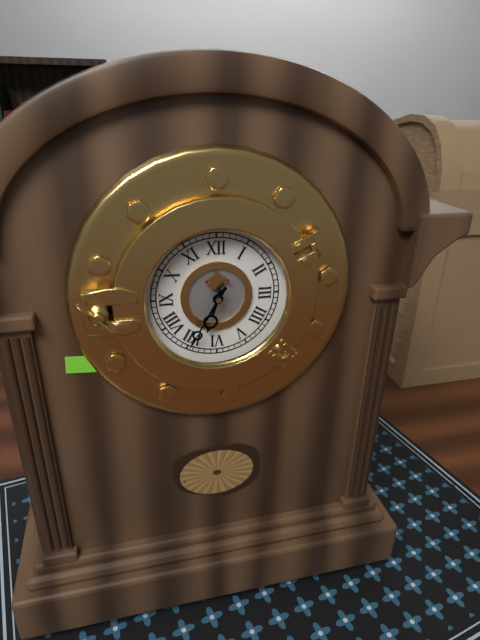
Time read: 6:35
